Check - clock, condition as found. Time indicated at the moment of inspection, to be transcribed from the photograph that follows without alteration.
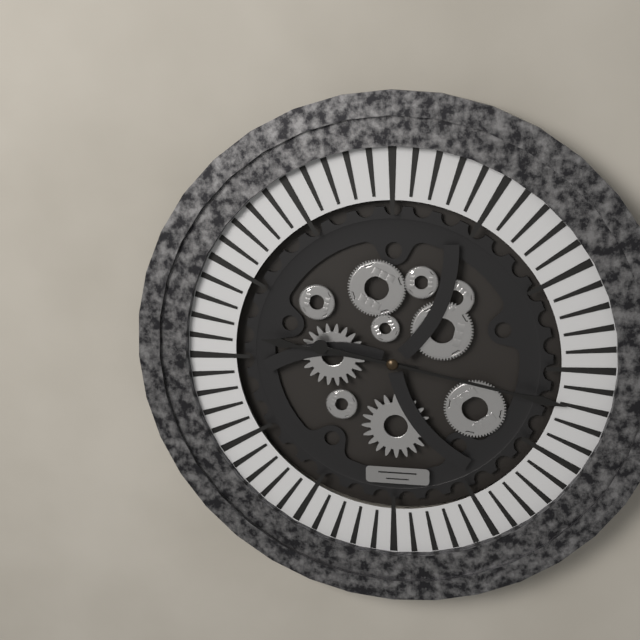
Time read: 9:17
